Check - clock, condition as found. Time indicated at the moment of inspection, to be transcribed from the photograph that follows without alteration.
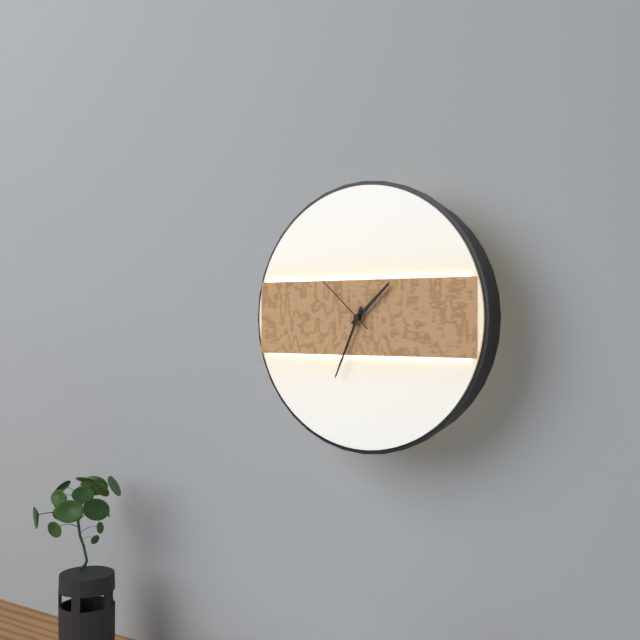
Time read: 1:34:52
